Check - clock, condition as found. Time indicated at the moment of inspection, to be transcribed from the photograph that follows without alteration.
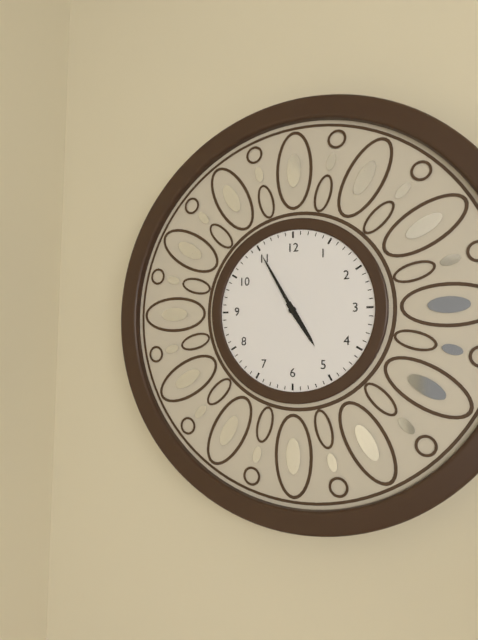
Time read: 4:55
